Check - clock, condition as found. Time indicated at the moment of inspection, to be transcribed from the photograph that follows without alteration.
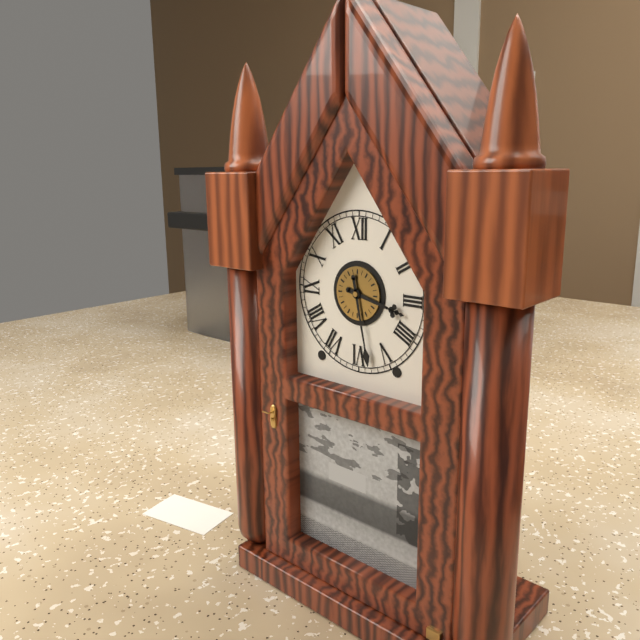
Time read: 3:28
